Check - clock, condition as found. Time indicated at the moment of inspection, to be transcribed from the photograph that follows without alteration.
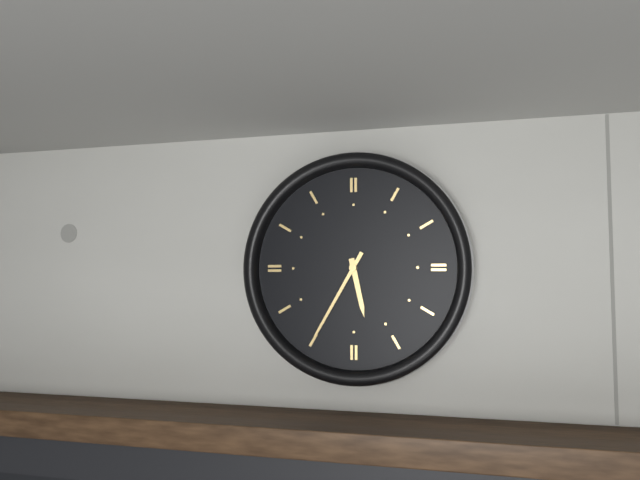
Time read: 5:35
